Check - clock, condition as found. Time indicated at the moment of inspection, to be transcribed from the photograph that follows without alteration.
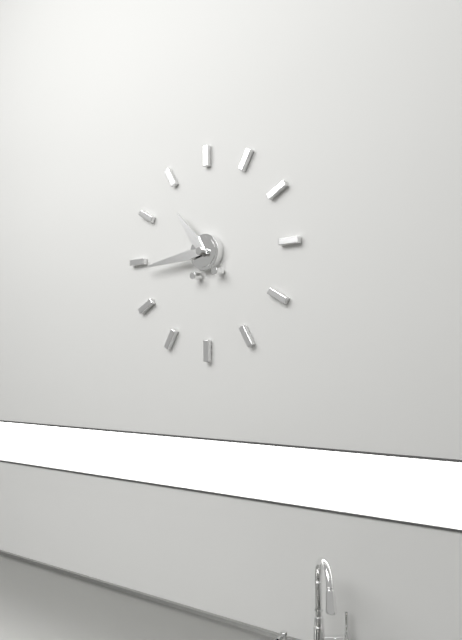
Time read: 10:44
